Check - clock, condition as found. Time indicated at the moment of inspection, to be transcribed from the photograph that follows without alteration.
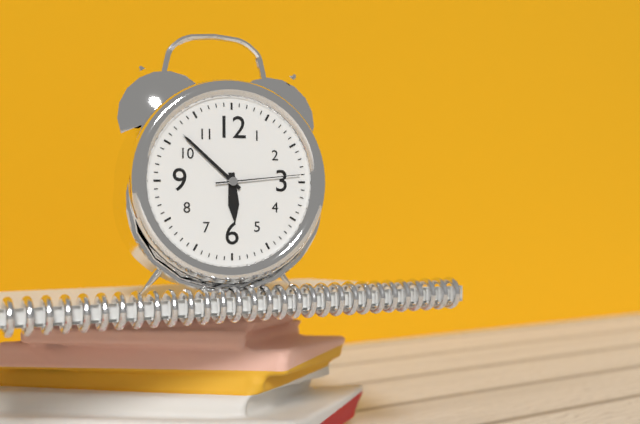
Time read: 5:52:14
